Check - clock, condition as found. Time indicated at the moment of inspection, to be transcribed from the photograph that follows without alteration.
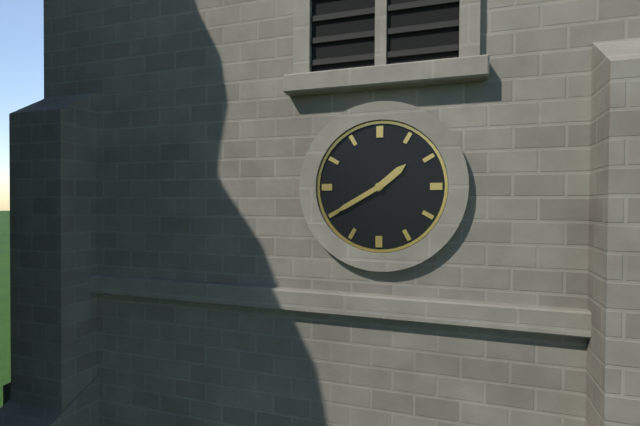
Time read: 1:40
